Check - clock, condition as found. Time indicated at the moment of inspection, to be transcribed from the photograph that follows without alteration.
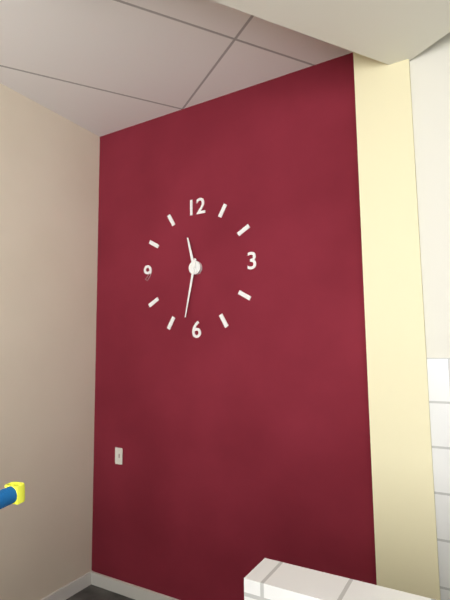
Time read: 11:32
